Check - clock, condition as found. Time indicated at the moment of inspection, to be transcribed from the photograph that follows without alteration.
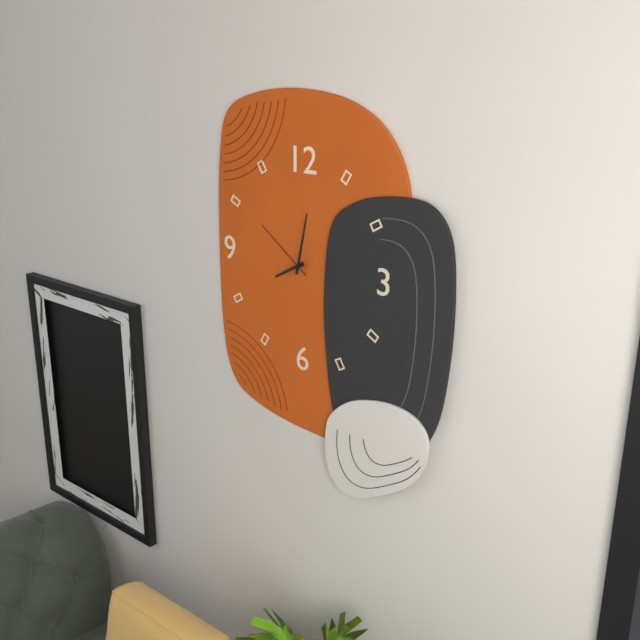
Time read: 8:02:51
